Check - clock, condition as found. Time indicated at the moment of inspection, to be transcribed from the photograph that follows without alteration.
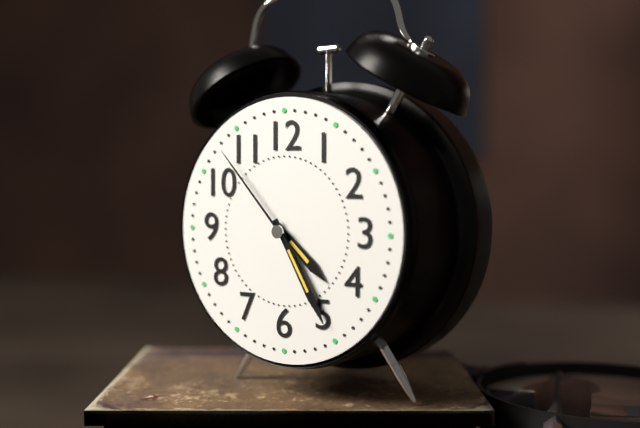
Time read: 4:25:53
